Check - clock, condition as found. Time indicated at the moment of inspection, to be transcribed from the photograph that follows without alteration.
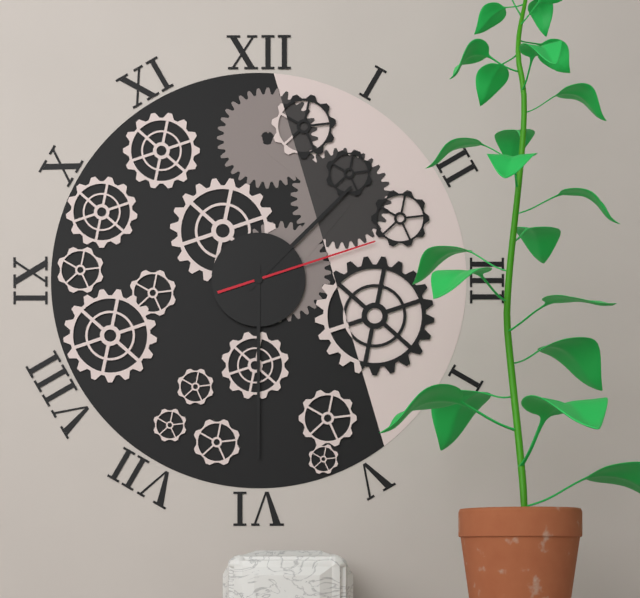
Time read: 1:30:12
